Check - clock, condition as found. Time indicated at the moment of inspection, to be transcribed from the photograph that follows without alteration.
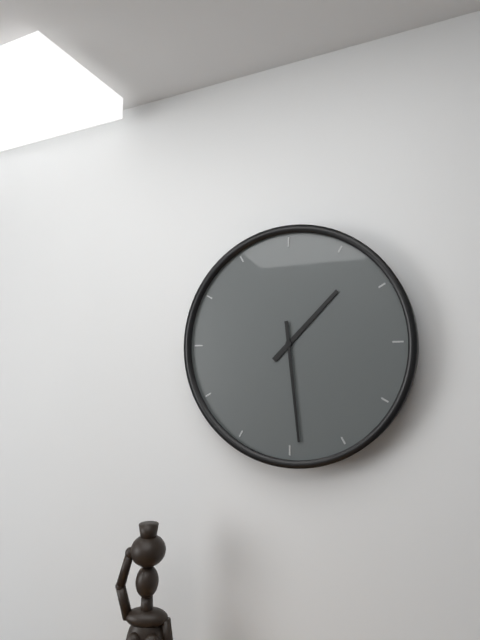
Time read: 1:29
